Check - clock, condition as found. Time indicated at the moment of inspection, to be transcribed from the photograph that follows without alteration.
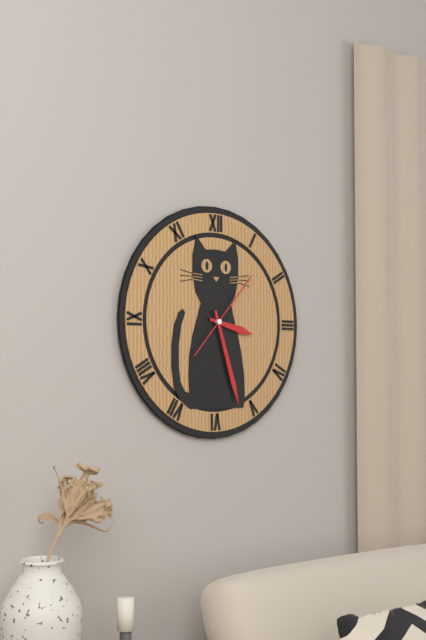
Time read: 3:27:07
